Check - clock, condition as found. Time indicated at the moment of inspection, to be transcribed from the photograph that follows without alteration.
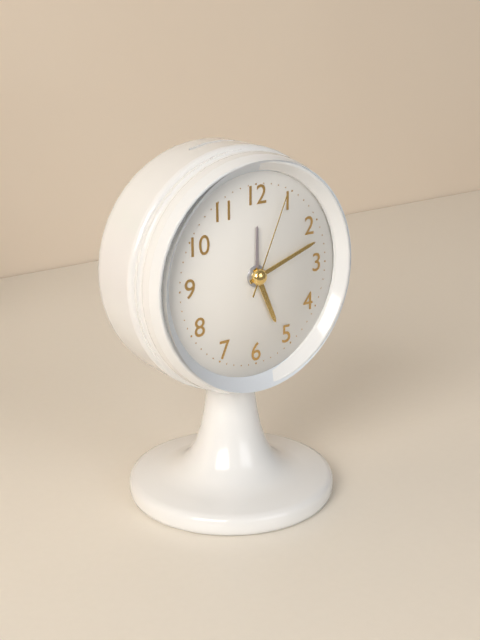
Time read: 5:12:04
